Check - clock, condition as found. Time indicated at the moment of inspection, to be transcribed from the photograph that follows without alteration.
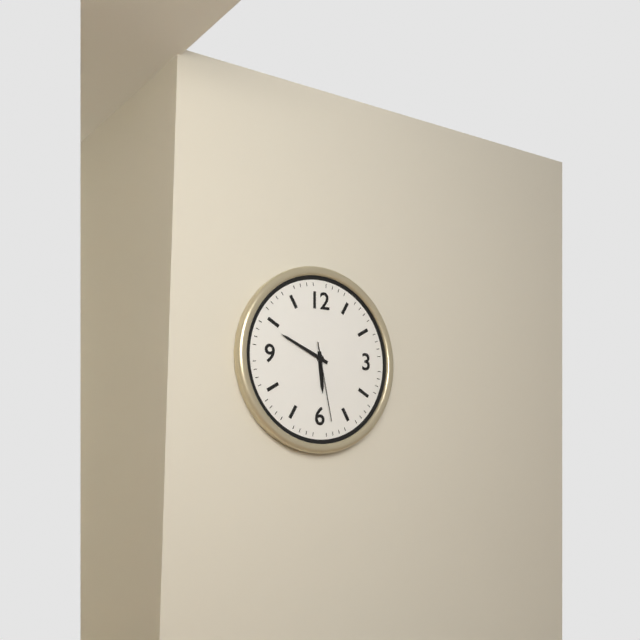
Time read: 5:49:28
